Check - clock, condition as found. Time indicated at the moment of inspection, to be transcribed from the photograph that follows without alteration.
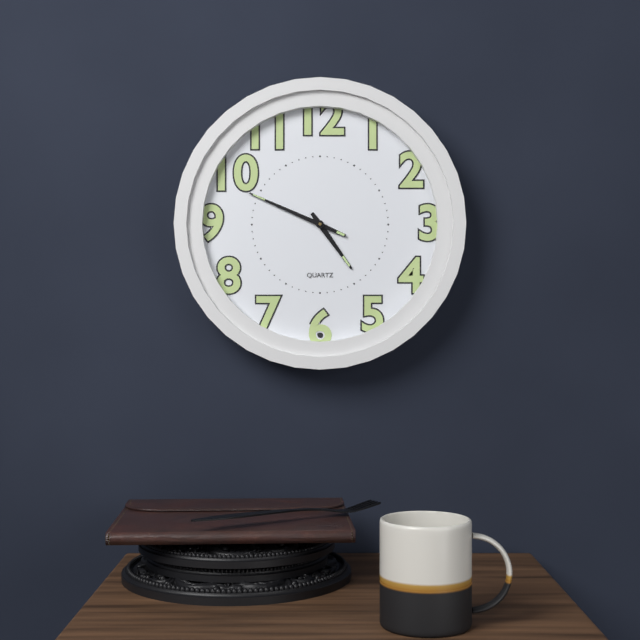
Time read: 4:49
